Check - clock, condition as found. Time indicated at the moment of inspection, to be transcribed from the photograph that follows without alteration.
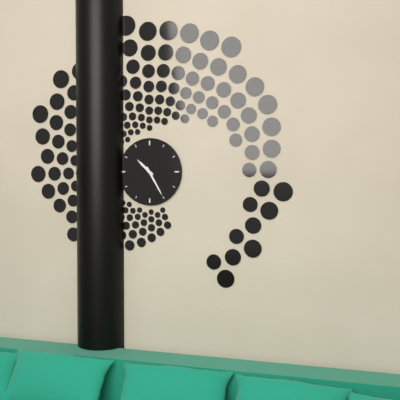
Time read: 10:25
